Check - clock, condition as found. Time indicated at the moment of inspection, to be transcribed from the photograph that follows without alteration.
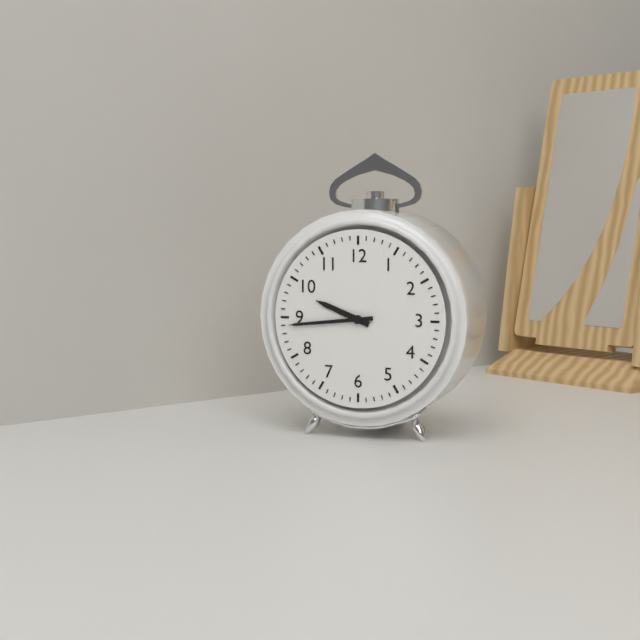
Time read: 9:44
